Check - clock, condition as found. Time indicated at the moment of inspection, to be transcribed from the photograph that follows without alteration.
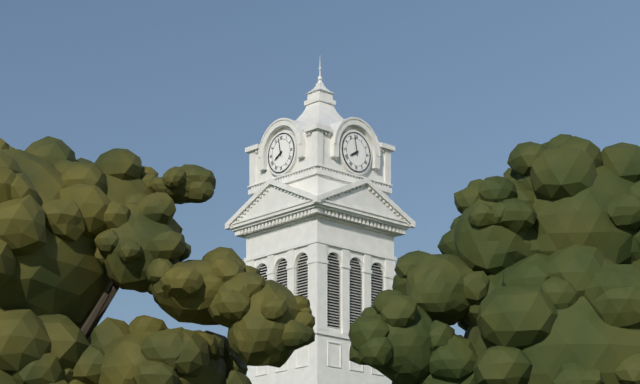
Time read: 7:58
